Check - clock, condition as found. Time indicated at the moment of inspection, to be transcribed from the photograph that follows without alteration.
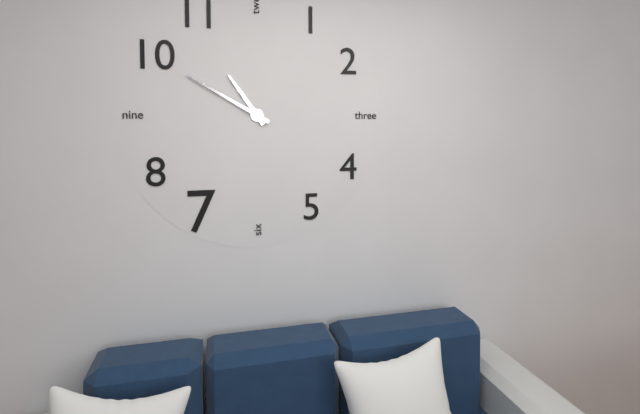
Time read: 10:50
